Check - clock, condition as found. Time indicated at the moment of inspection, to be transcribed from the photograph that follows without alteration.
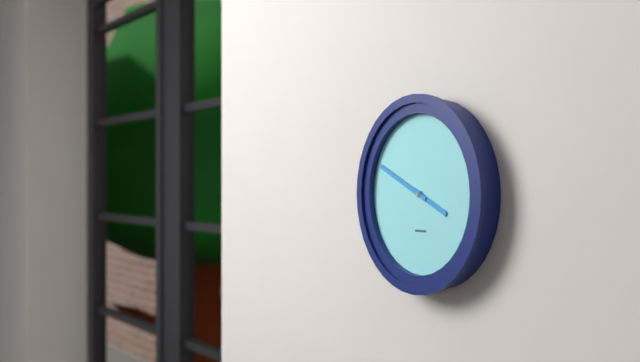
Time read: 3:49
